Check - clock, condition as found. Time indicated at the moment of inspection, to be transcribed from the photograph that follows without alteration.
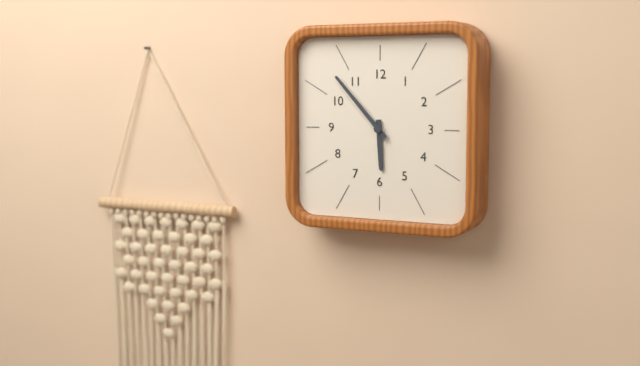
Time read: 5:53
